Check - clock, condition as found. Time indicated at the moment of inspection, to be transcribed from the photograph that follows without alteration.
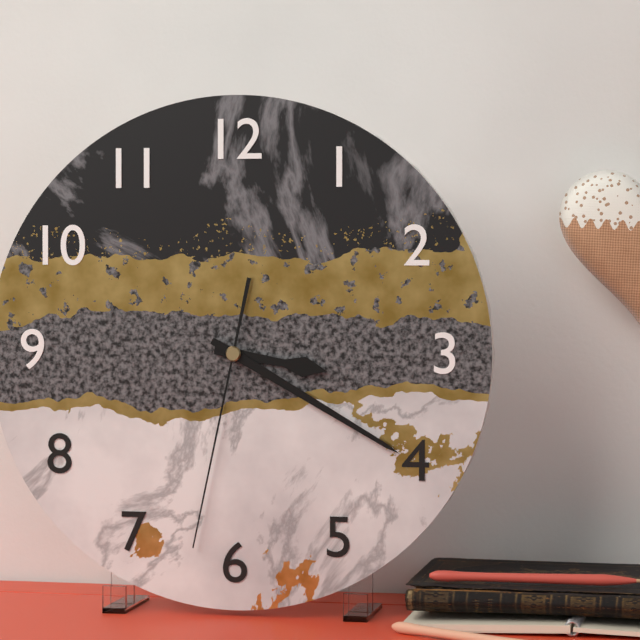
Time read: 3:20:32
